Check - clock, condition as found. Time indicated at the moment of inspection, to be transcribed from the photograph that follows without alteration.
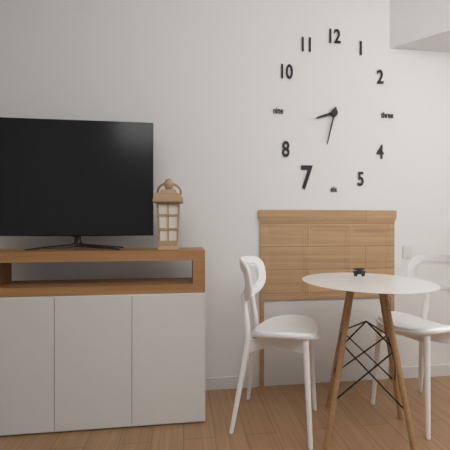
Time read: 8:33
